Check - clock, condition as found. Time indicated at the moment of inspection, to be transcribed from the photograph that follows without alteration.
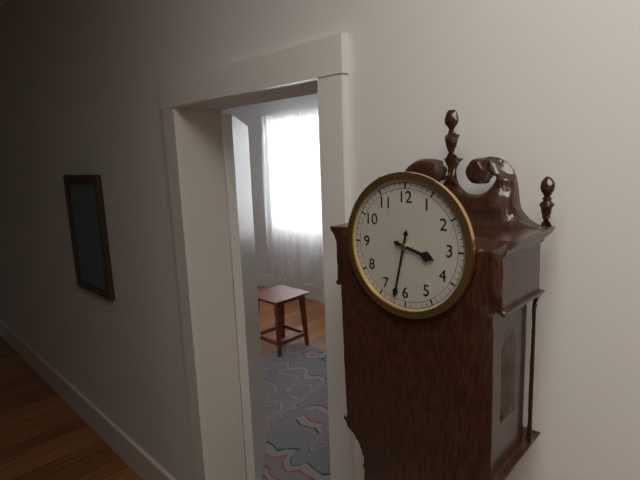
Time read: 3:32
